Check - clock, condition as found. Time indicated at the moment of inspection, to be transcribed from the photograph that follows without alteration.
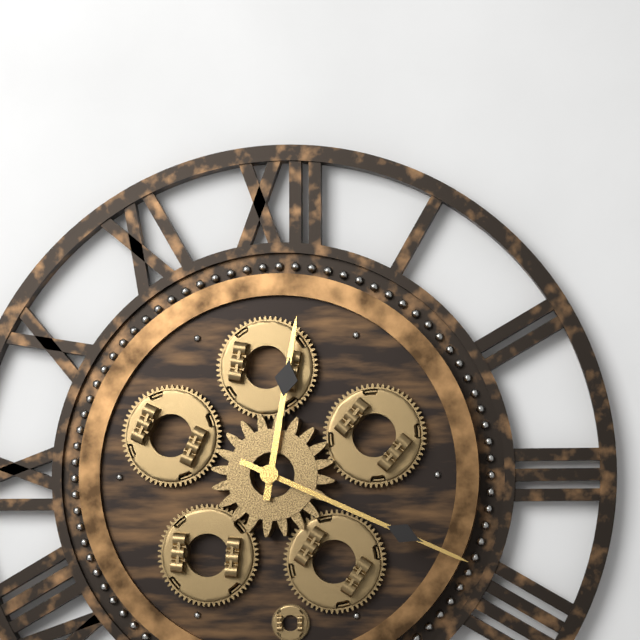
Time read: 12:19
